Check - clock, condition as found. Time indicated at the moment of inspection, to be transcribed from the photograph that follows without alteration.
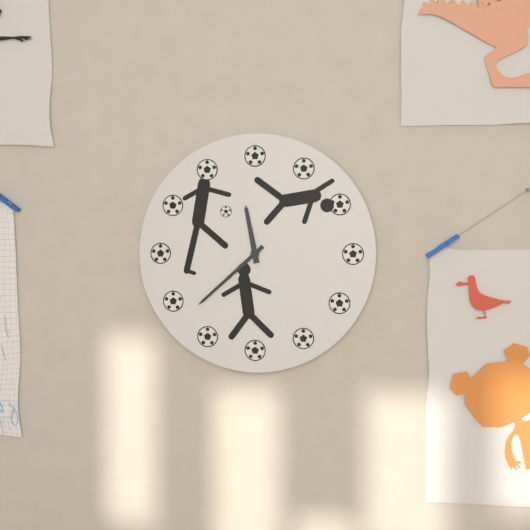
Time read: 11:38
